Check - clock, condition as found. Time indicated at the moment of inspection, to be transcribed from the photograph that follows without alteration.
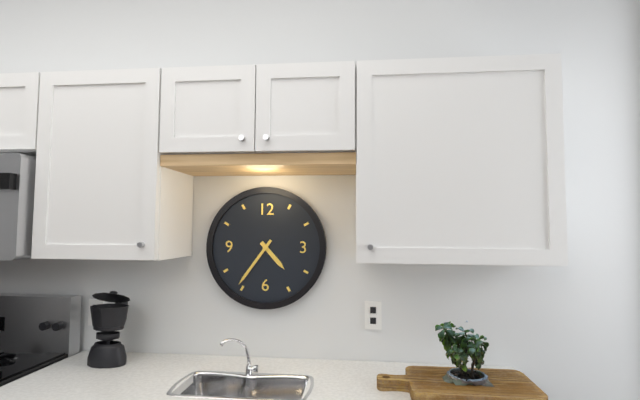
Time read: 4:36
